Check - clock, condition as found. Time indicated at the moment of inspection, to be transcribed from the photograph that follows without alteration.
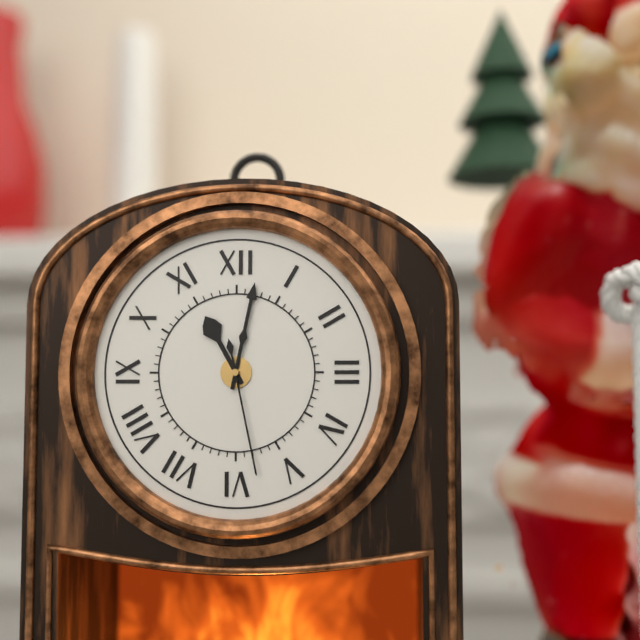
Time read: 11:02:28
